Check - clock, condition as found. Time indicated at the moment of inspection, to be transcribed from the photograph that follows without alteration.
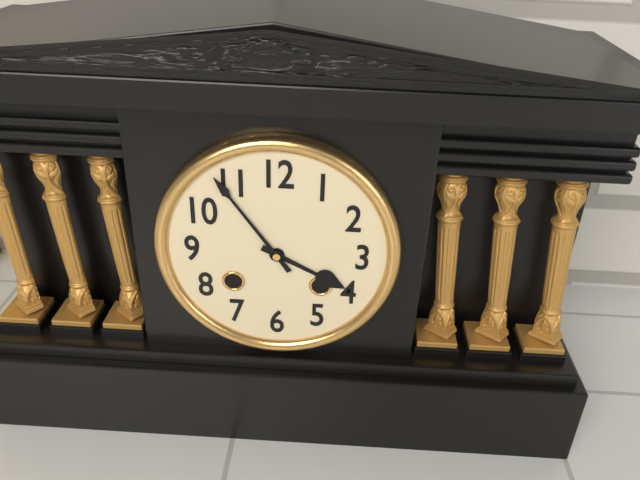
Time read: 3:54
